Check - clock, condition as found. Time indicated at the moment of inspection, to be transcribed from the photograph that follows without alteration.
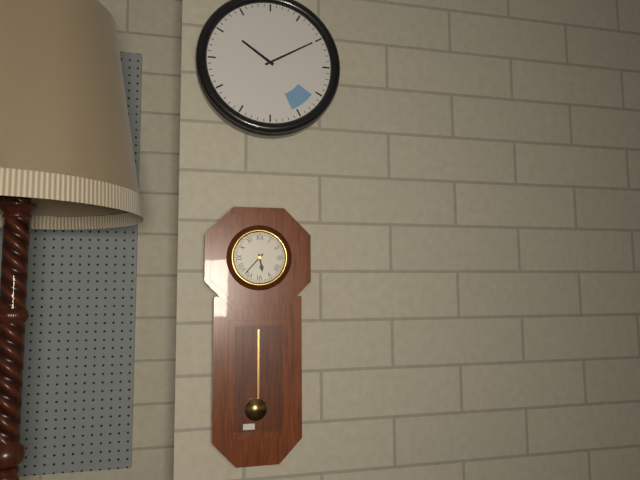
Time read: 5:37
